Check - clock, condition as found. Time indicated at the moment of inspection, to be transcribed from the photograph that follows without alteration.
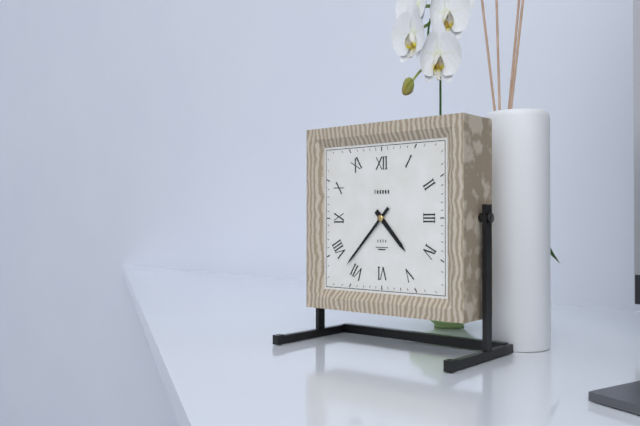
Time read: 4:37
